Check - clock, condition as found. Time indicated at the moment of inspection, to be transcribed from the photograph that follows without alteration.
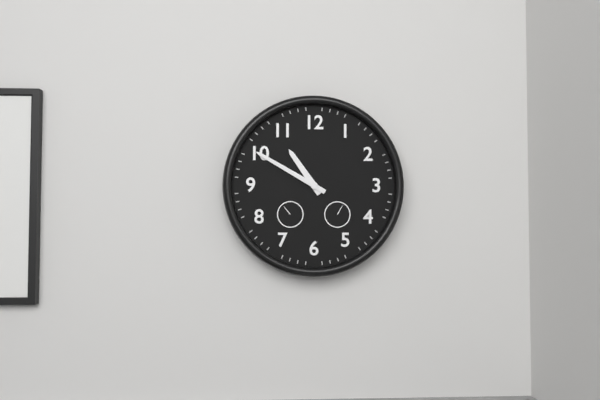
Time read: 10:50
